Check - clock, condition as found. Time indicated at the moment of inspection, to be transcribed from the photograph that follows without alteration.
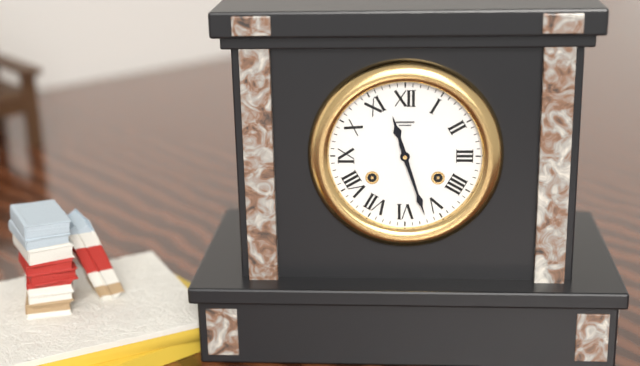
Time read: 11:27
